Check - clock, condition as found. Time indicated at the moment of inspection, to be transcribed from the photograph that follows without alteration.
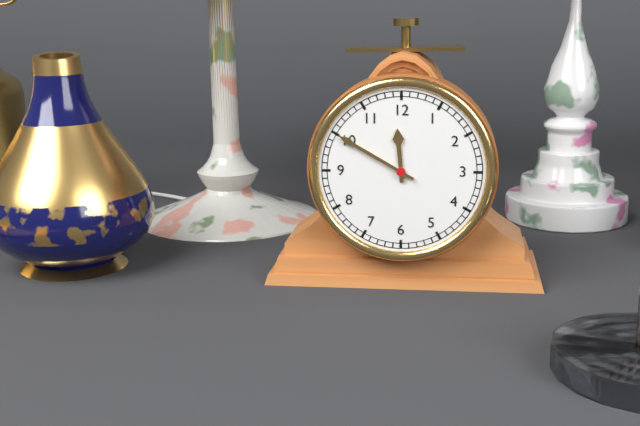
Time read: 11:50
